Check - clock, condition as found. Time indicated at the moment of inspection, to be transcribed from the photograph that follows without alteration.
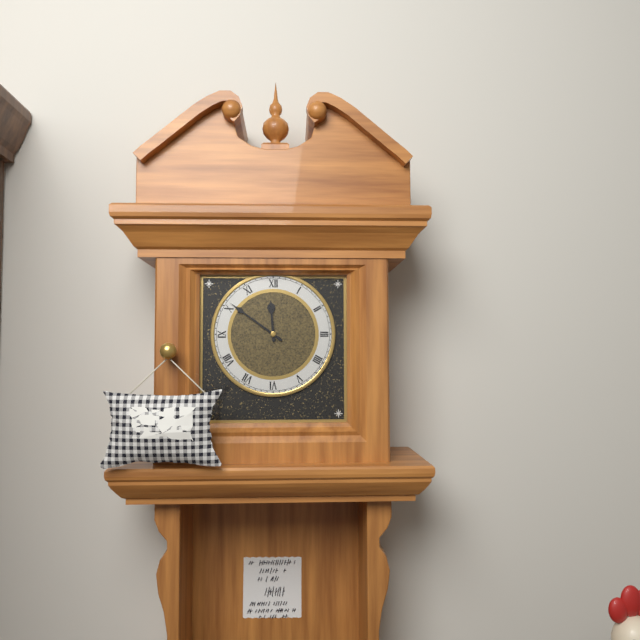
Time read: 11:51
